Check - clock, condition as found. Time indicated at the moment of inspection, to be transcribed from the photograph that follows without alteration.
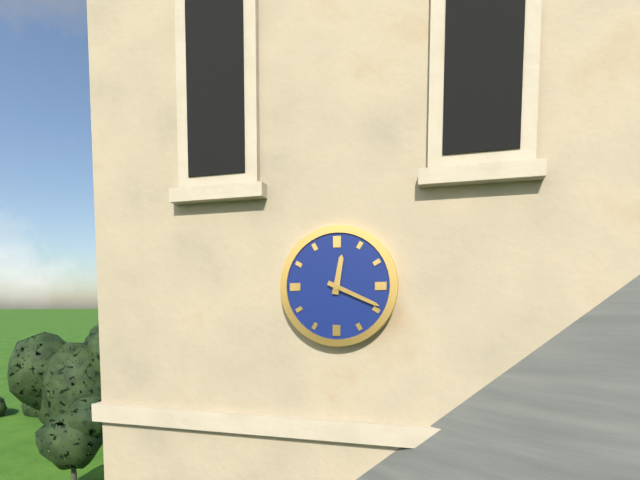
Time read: 12:19
